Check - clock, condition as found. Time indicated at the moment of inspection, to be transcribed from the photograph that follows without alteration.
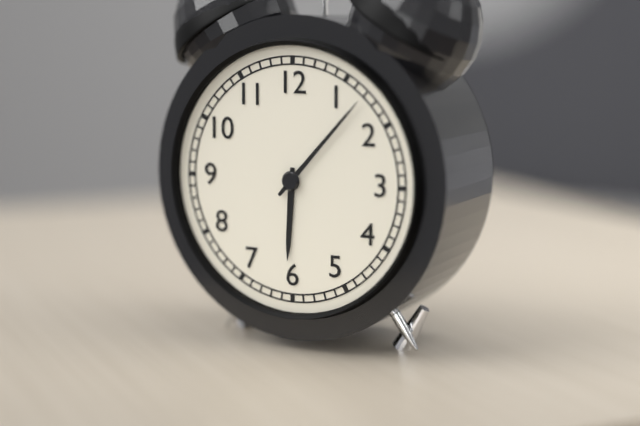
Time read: 6:07
